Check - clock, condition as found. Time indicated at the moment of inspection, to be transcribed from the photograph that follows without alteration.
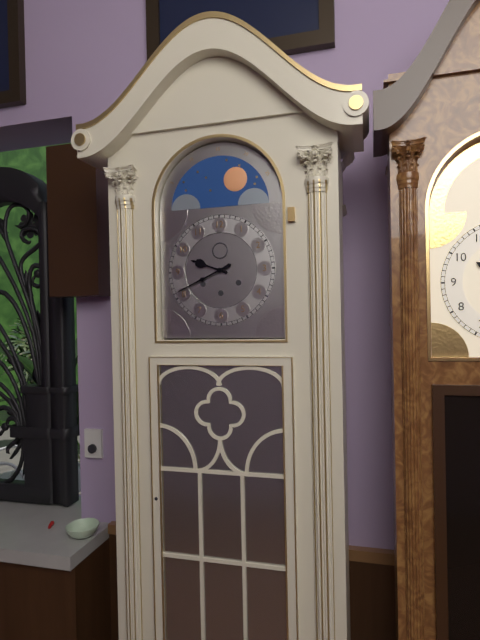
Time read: 9:41
